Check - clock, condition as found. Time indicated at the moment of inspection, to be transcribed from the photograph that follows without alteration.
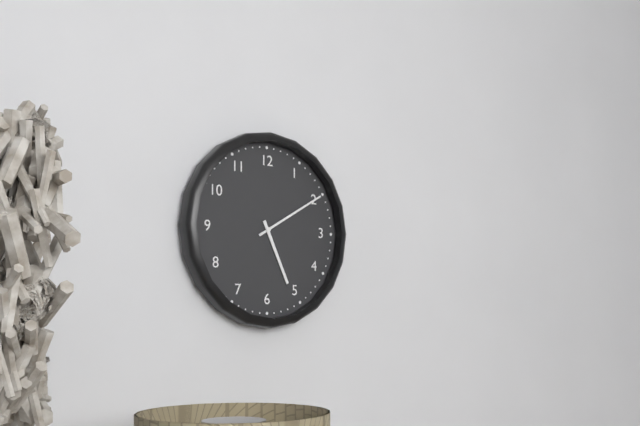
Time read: 5:10
